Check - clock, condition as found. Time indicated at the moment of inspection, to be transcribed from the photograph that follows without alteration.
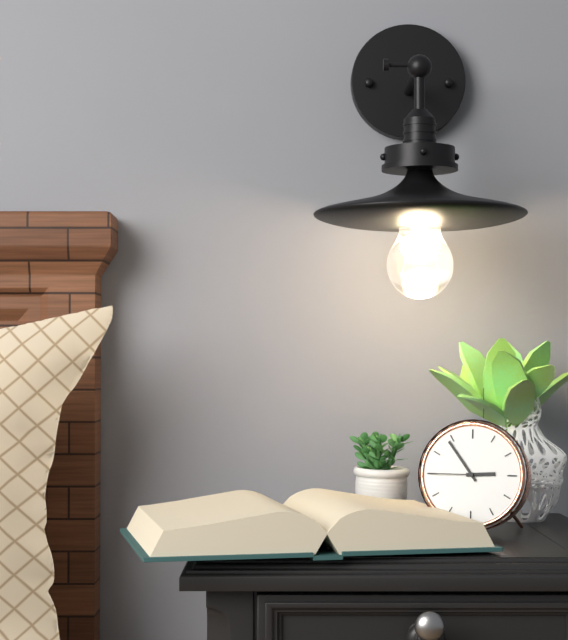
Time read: 2:54:45
